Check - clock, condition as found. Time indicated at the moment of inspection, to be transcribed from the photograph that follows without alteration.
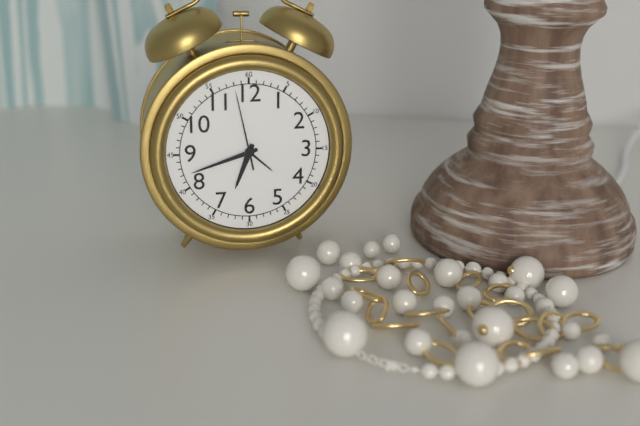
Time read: 6:42:58
